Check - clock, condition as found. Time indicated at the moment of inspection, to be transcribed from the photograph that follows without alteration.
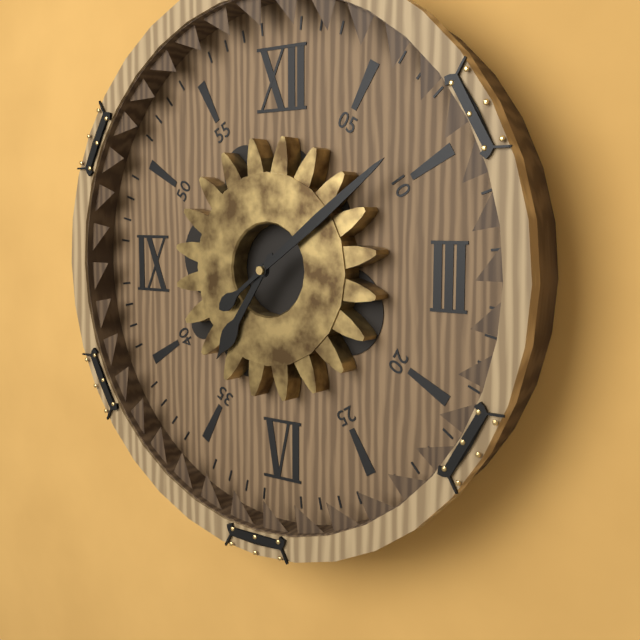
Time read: 7:09
